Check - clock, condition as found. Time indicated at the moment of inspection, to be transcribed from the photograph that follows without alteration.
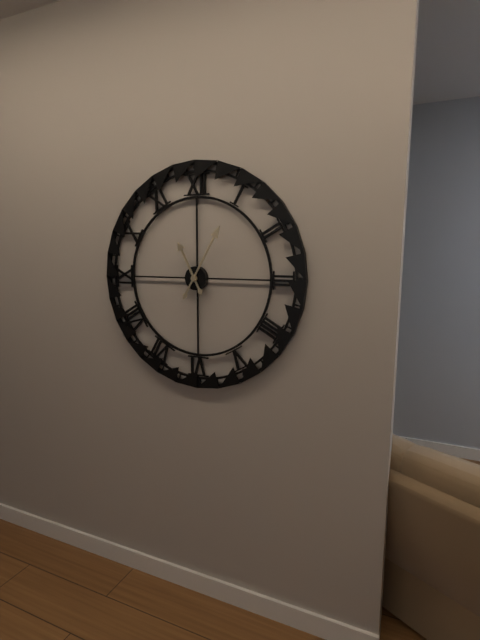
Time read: 11:05
